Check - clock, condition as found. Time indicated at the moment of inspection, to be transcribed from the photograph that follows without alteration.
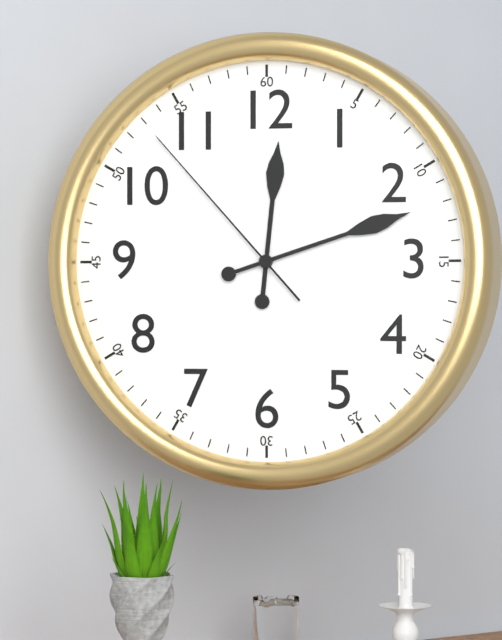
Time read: 12:12:53
